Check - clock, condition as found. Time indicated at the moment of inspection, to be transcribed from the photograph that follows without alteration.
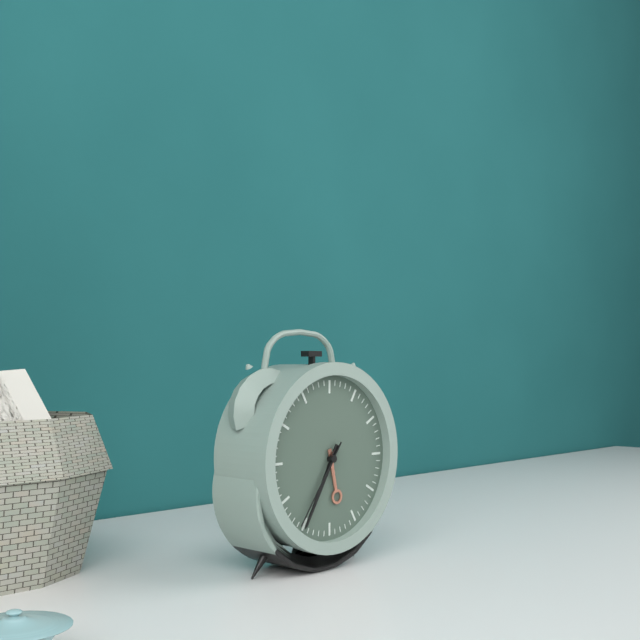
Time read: 5:35:36
